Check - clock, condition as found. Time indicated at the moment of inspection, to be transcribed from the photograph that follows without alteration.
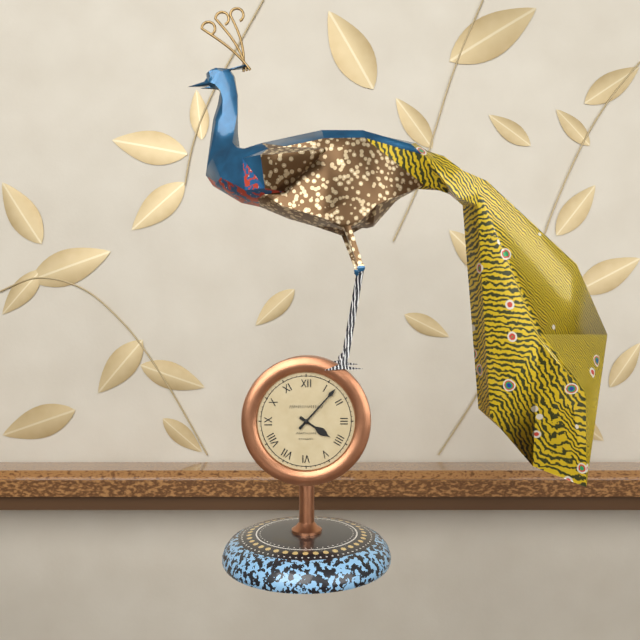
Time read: 4:07
